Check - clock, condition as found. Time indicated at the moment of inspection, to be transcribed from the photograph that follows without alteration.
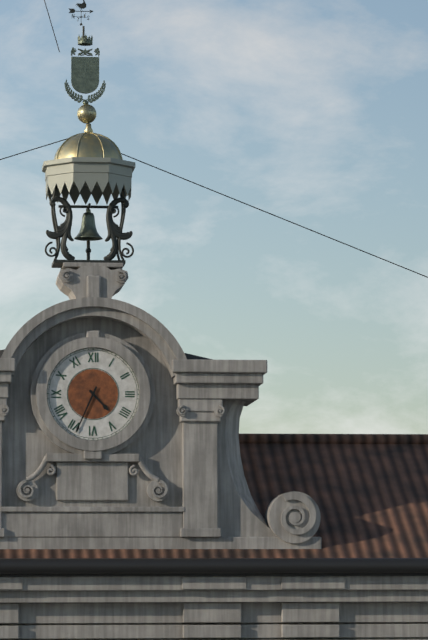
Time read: 4:34
